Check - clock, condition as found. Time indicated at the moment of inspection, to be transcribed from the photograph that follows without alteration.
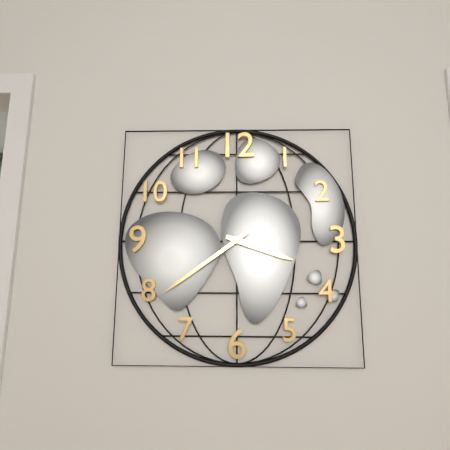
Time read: 3:39
